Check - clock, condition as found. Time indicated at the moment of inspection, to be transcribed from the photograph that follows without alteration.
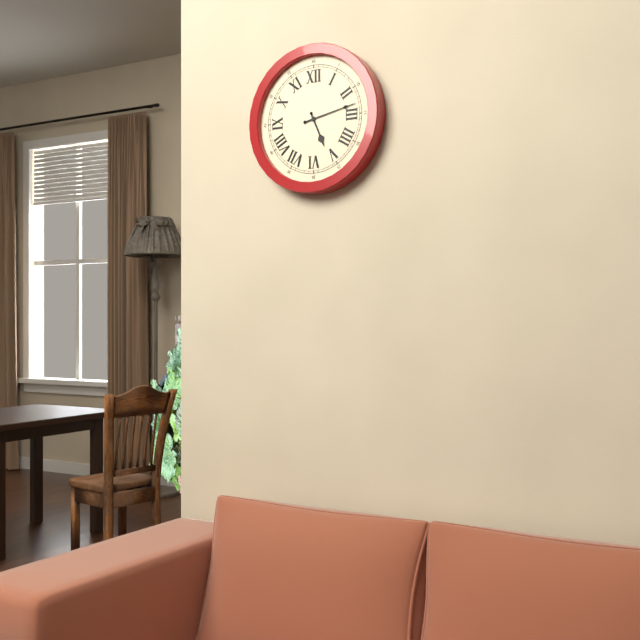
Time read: 5:13
